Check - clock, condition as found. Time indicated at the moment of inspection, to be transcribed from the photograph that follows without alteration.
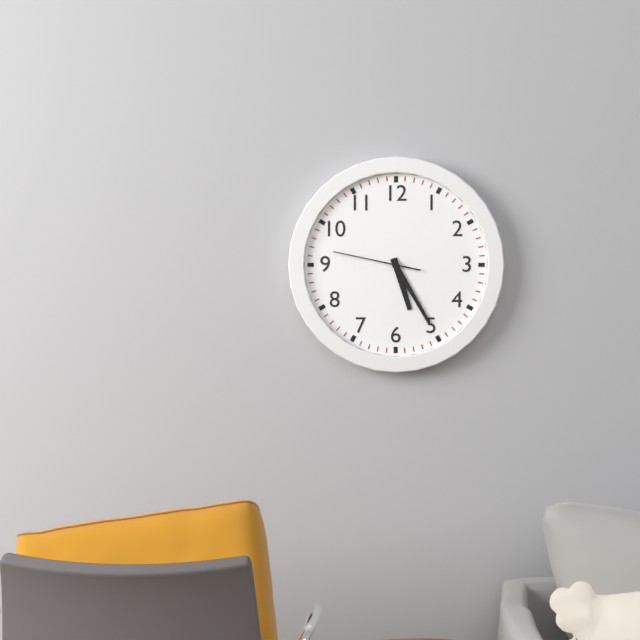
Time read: 5:25:47
